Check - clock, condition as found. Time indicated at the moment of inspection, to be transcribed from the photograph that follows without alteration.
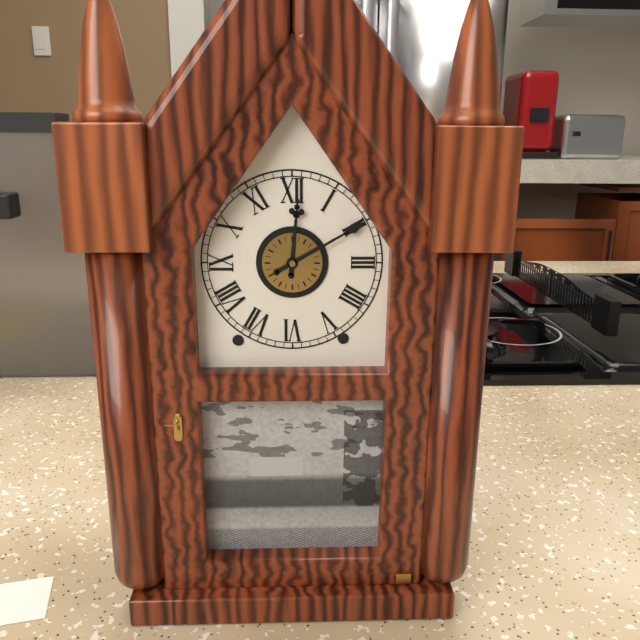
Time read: 12:10
